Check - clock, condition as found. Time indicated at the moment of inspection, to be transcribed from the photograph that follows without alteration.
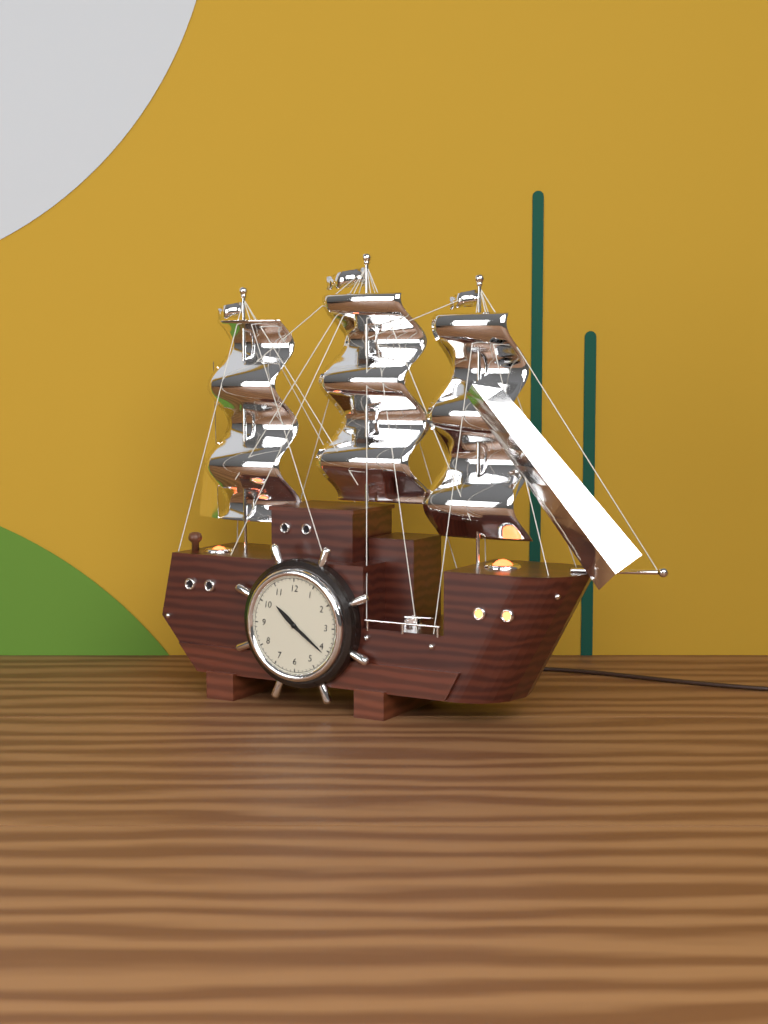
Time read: 10:21
